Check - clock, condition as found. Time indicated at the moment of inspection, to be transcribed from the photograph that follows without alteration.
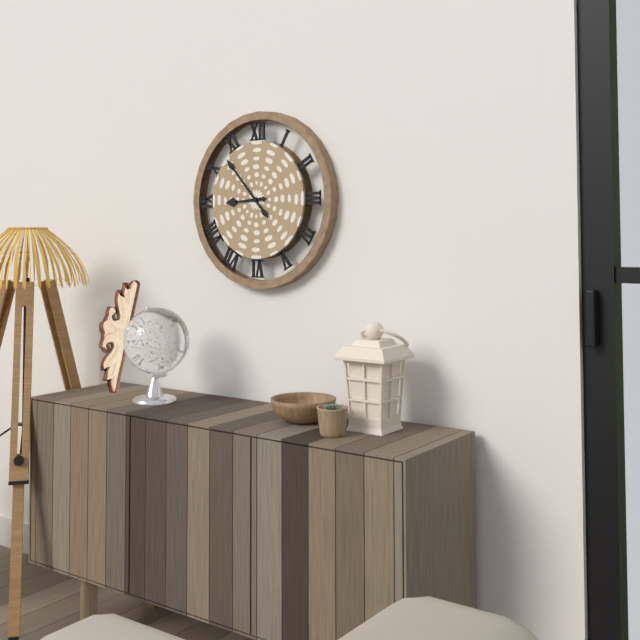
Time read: 8:53
